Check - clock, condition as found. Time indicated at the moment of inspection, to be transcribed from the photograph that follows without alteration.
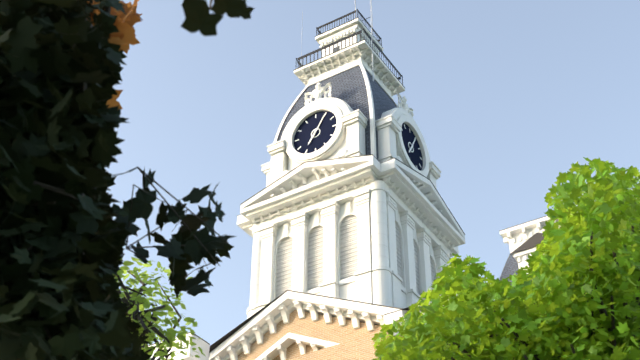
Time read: 7:05
